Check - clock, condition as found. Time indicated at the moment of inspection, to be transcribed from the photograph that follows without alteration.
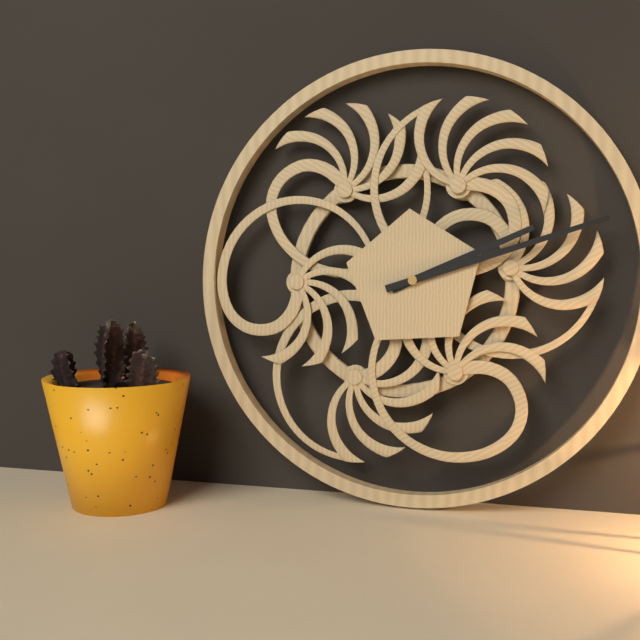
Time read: 2:12
